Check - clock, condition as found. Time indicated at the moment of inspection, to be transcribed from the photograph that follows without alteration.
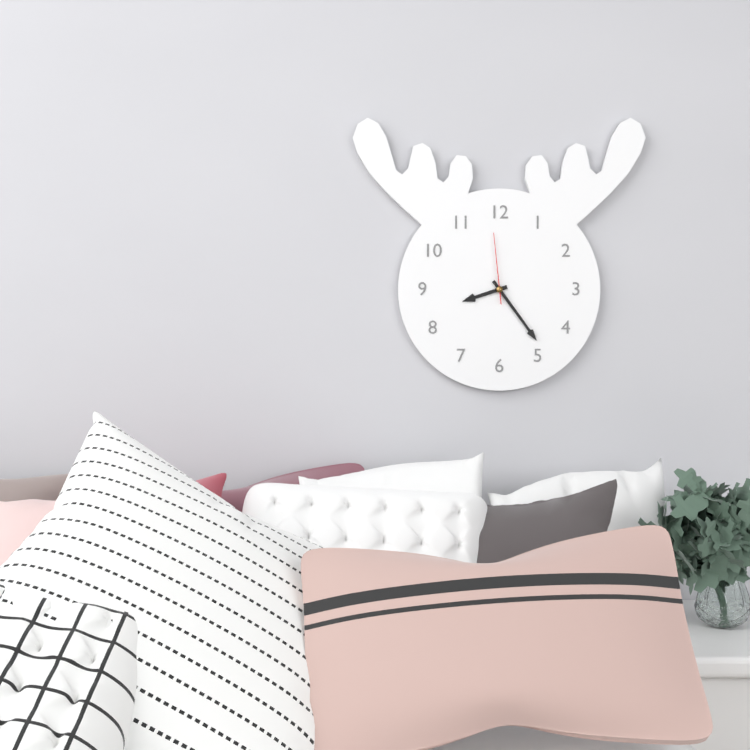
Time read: 8:24:59
